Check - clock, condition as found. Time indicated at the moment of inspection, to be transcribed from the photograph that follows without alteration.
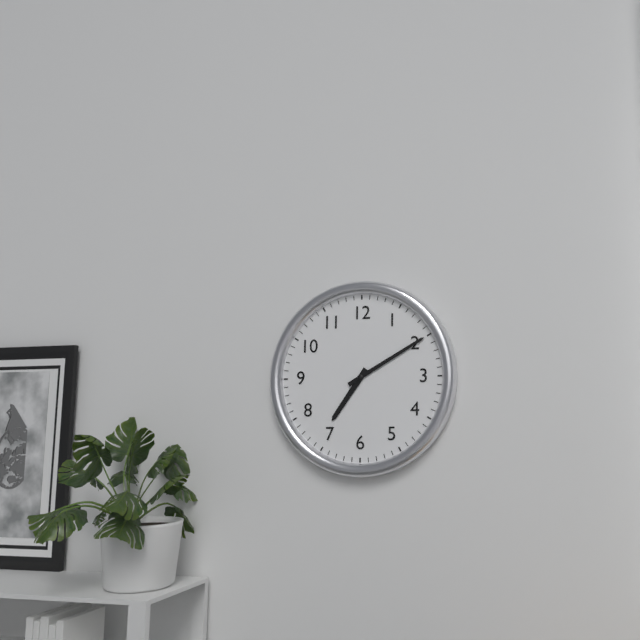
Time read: 7:10
